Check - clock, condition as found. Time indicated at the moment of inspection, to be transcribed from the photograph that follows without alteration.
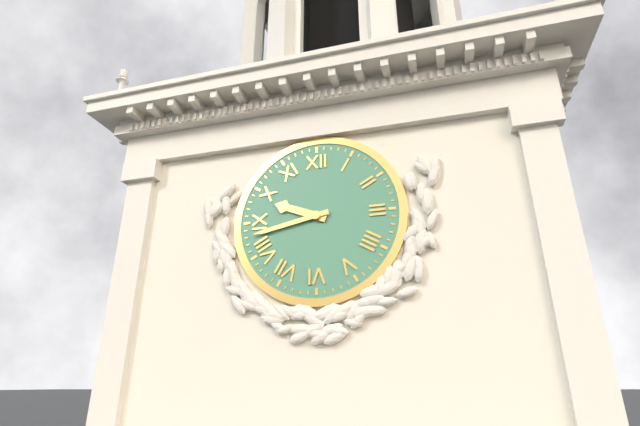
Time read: 9:43
